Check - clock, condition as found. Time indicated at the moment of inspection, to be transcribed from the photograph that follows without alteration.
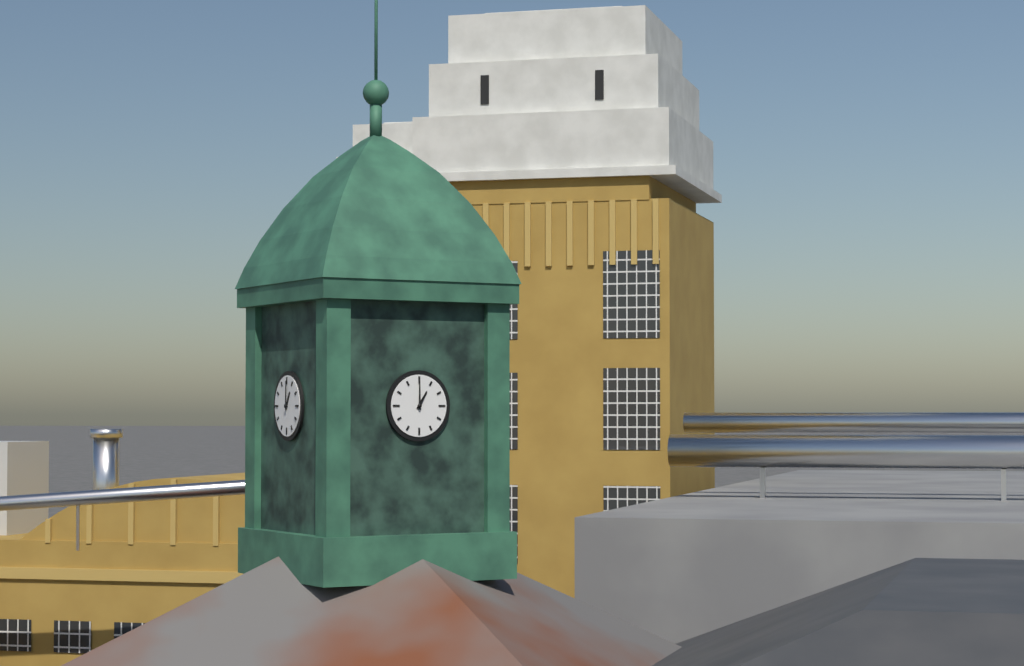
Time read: 1:00
